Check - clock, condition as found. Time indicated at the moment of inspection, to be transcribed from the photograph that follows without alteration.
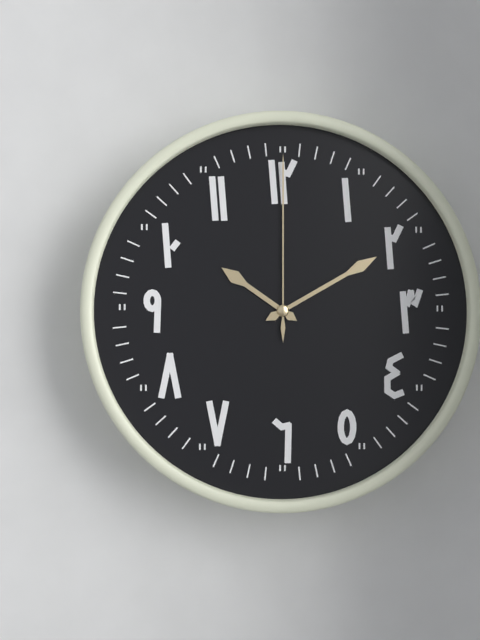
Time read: 10:10:00
